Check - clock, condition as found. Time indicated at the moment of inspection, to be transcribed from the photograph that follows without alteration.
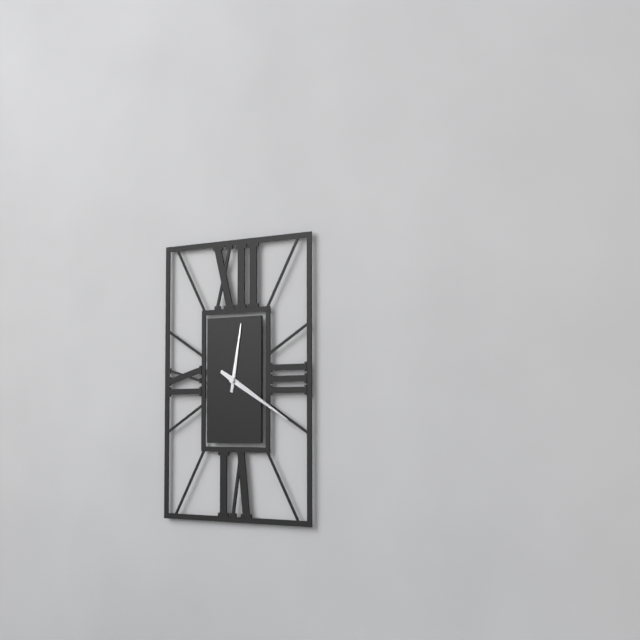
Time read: 12:20
